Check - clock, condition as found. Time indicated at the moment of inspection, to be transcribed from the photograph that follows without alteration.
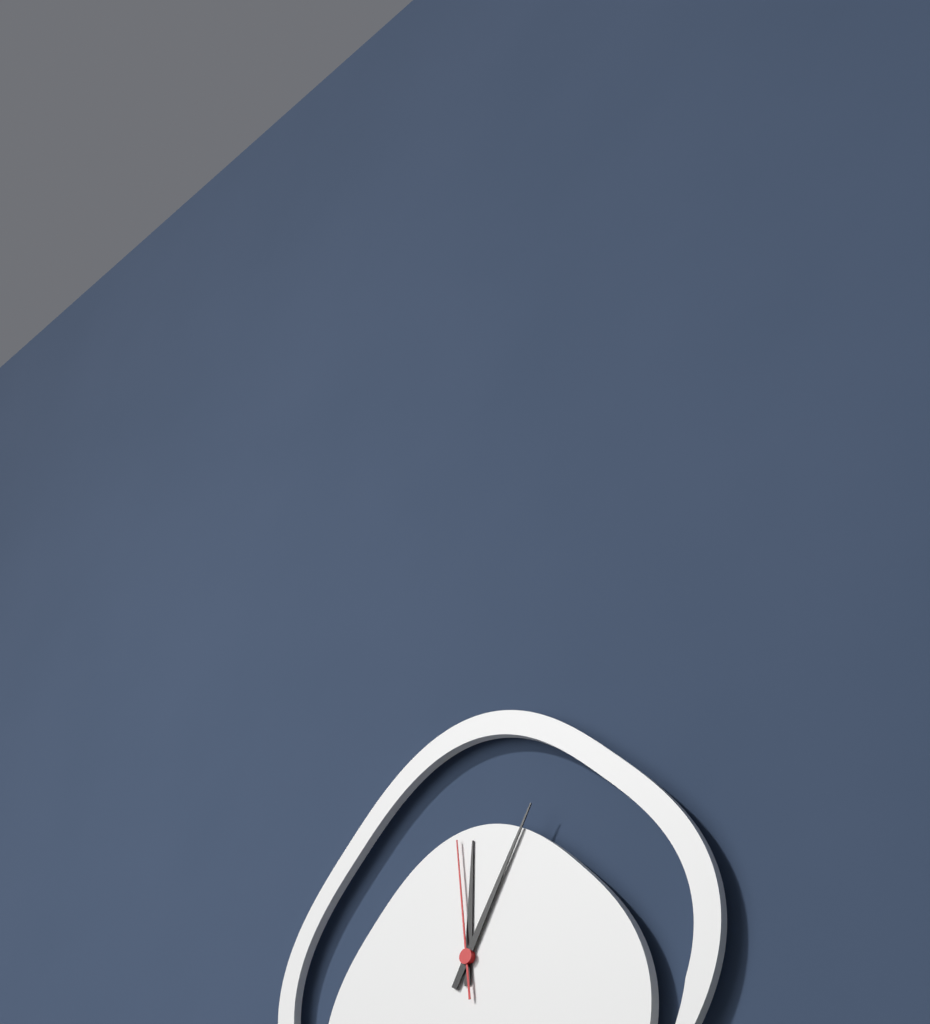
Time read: 12:05:59
